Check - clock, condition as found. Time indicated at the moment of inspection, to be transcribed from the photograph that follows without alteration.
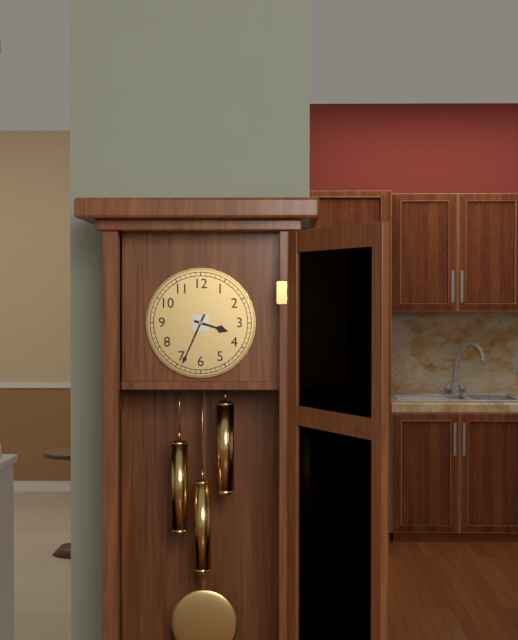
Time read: 3:34
